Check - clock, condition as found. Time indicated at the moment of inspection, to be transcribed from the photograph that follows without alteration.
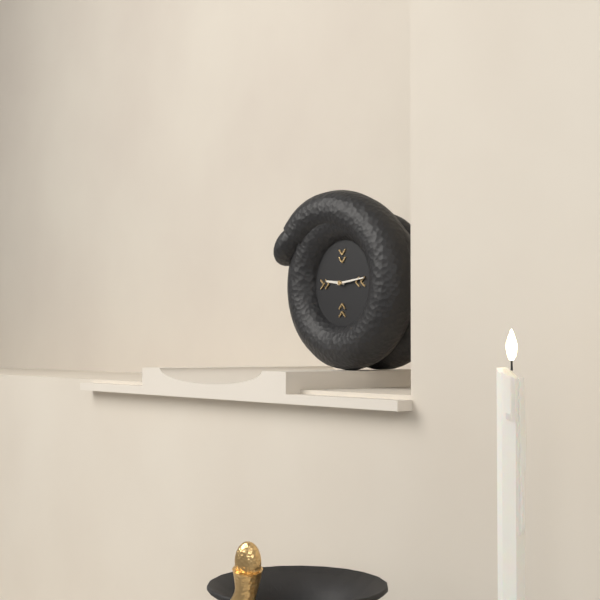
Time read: 9:14
